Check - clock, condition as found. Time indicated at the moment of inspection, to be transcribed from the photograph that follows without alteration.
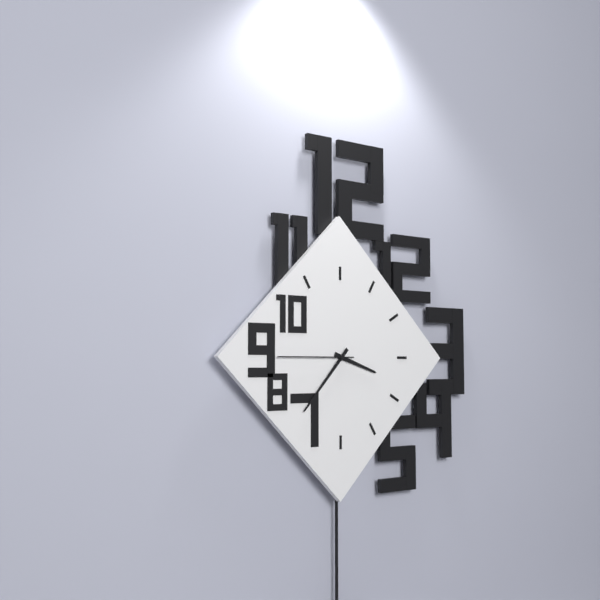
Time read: 3:37:45
